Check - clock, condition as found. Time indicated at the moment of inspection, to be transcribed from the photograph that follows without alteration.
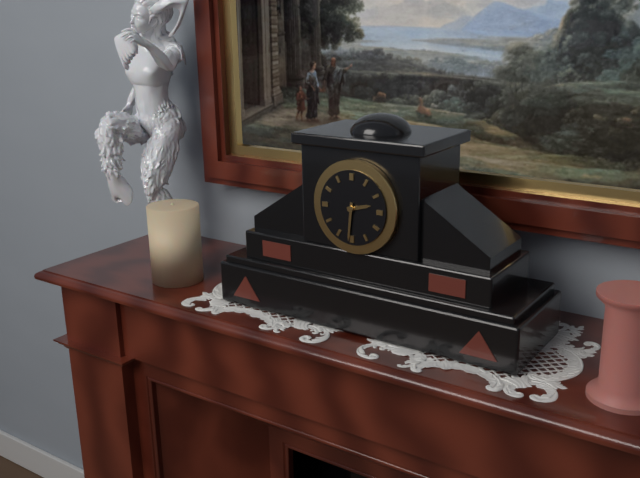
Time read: 2:31
